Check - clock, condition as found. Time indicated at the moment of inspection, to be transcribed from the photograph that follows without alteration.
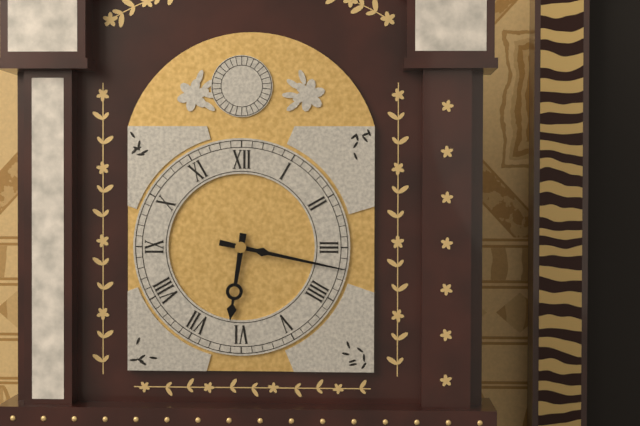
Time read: 6:17
